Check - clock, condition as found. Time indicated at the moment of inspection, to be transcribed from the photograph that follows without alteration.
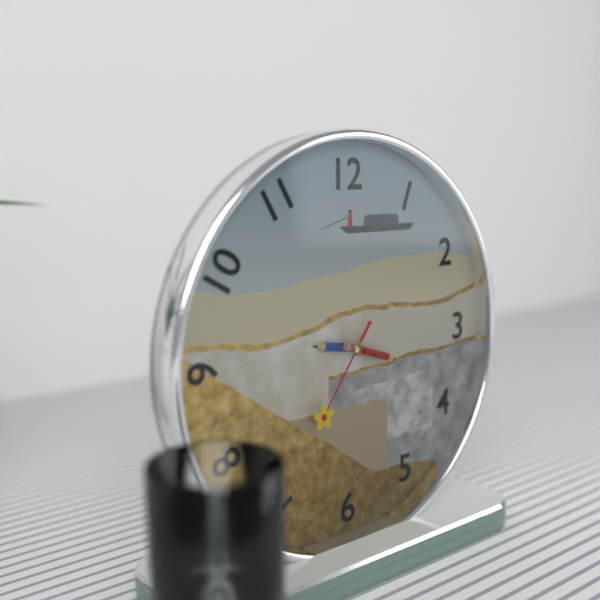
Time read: 9:18:36
